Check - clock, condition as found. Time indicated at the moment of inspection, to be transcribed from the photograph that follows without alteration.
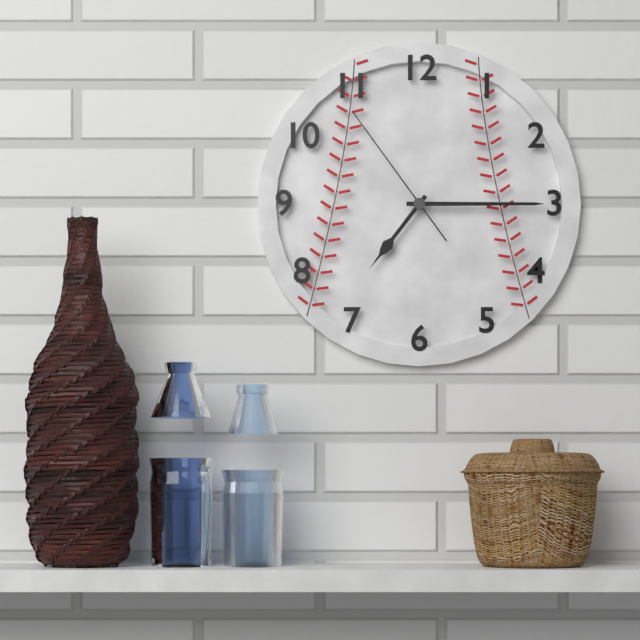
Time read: 7:15:54
